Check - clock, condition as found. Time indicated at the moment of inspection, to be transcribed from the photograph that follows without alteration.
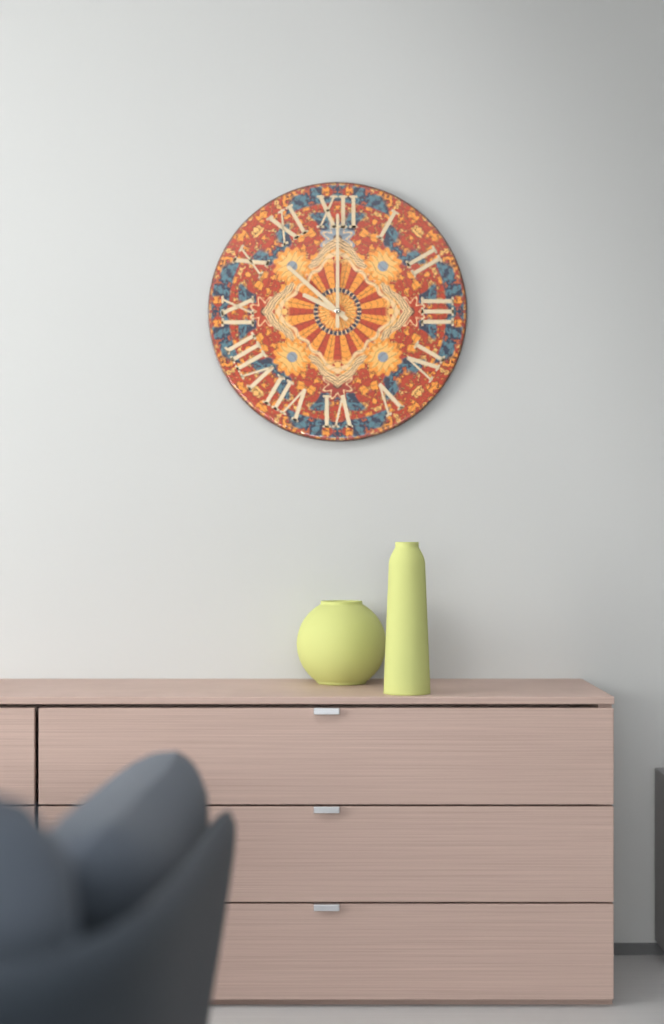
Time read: 9:52:00
